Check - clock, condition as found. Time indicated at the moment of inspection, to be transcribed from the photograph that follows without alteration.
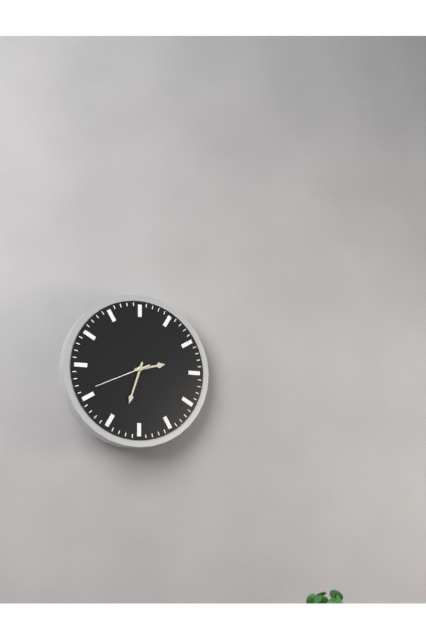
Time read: 2:33:41
